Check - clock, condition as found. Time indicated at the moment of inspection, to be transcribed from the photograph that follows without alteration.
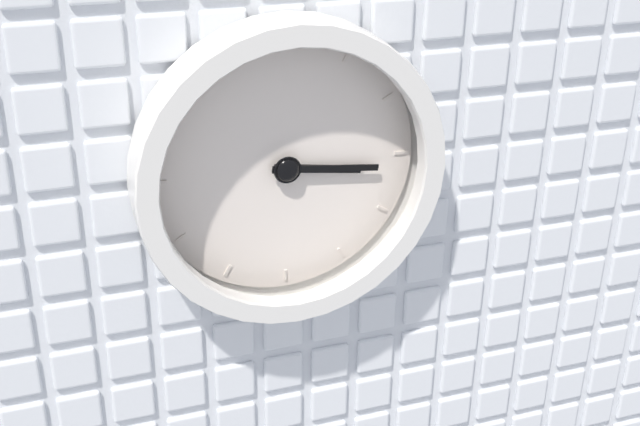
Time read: 3:16
